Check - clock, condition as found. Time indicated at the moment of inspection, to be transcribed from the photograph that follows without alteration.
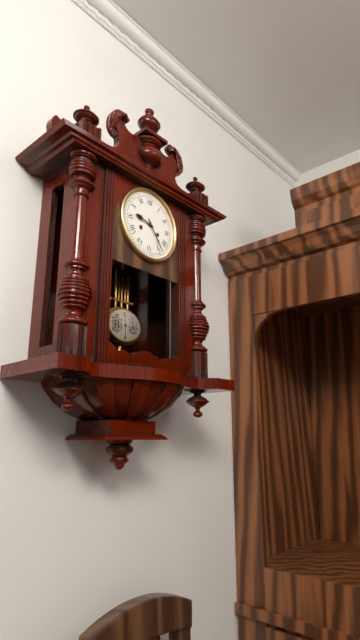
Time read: 9:24
